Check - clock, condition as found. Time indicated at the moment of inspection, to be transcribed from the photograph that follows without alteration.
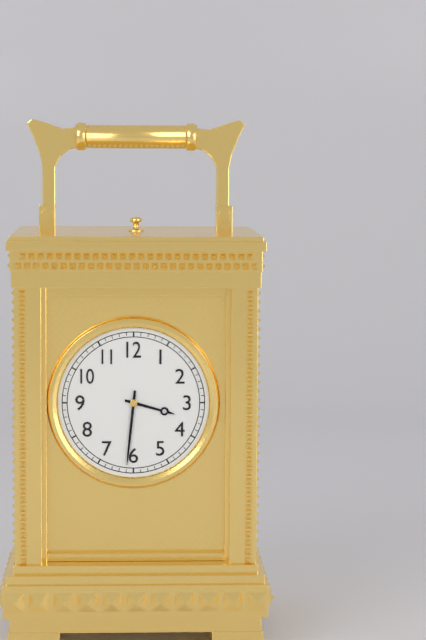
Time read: 3:31
